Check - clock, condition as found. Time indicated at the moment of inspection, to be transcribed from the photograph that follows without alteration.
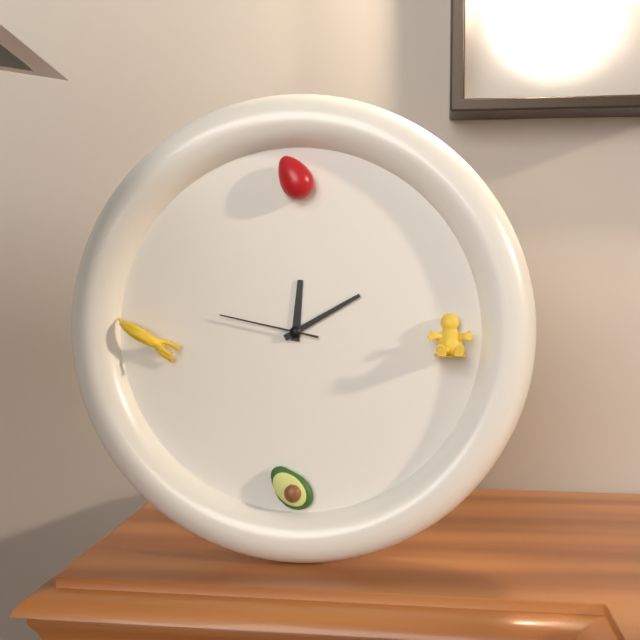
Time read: 12:10:47
